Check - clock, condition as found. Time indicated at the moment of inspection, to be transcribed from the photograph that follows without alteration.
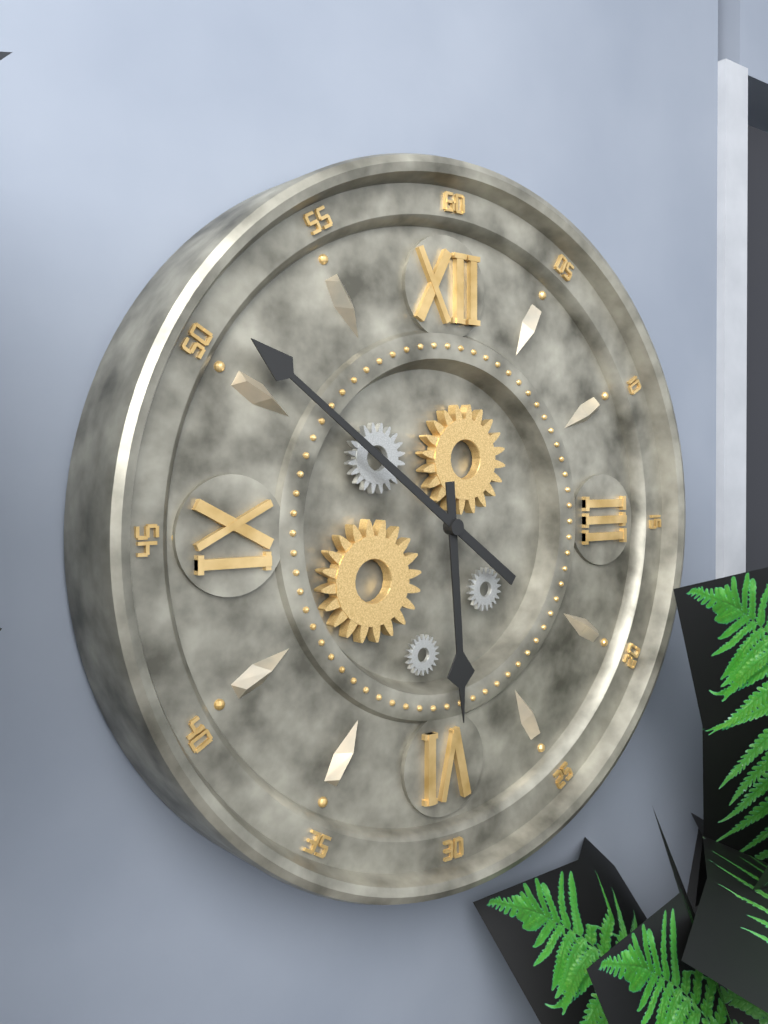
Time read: 5:51
